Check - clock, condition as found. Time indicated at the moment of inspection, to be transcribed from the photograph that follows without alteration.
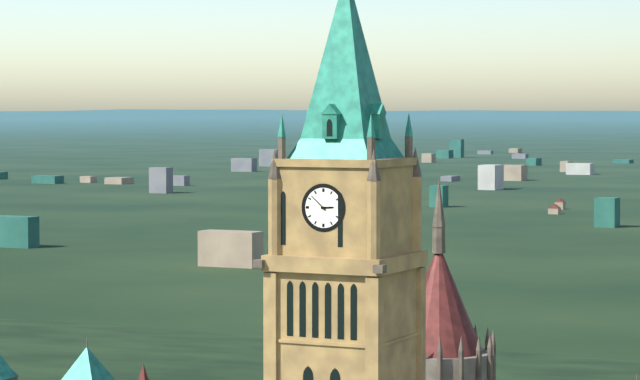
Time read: 2:52
